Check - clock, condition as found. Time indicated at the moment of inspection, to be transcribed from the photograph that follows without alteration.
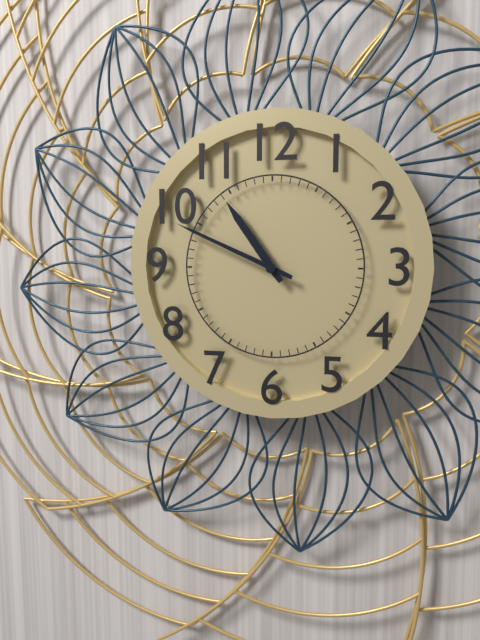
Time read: 10:49
